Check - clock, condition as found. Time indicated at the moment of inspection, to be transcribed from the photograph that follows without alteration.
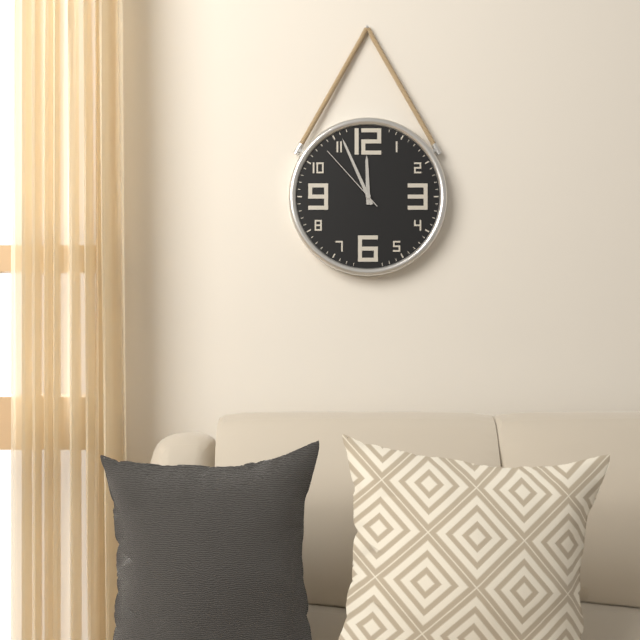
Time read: 11:56:53
